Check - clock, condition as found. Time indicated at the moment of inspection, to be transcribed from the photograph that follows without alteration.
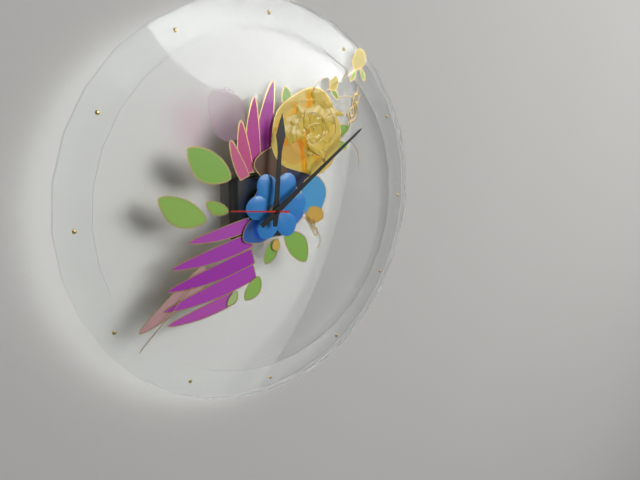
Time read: 12:09
